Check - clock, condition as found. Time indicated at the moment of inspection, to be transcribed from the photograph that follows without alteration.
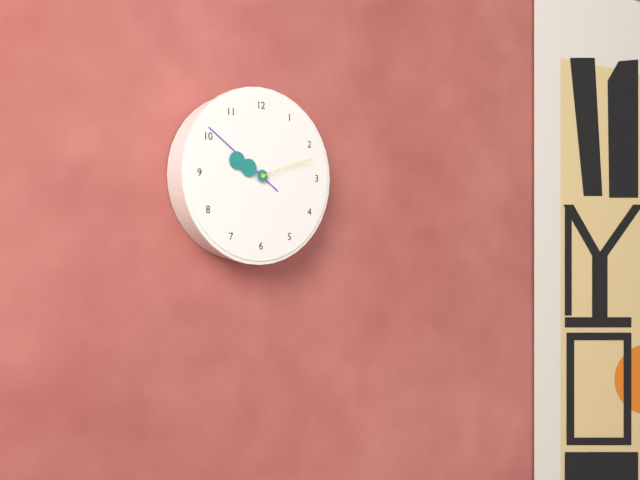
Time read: 9:51:12
